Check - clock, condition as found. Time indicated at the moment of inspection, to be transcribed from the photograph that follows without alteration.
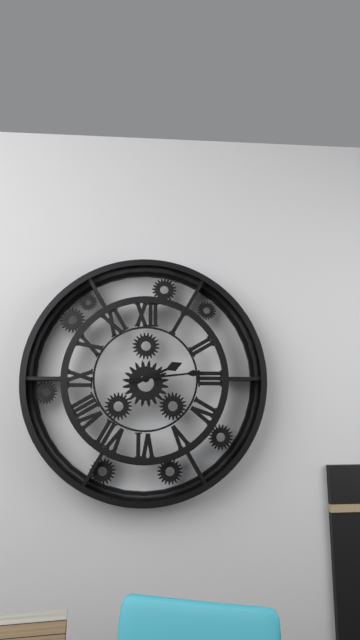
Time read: 2:14
